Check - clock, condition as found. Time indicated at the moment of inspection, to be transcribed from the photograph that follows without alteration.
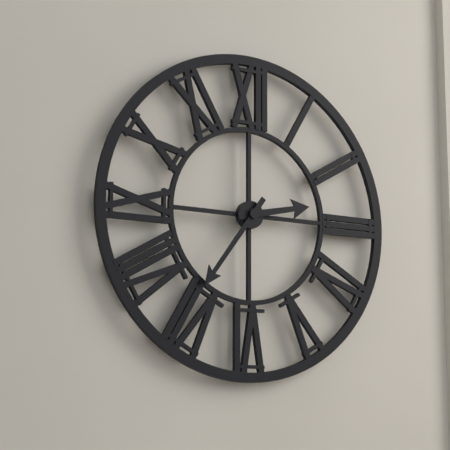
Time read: 2:36
